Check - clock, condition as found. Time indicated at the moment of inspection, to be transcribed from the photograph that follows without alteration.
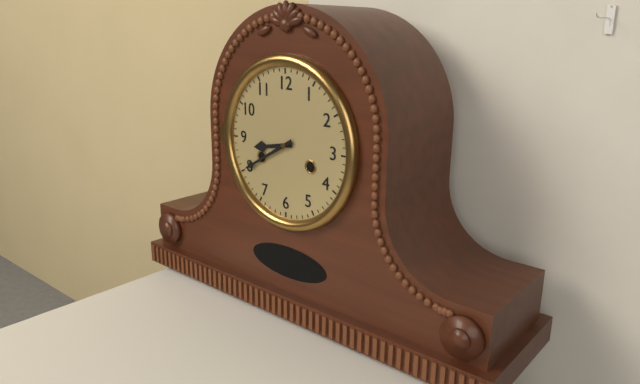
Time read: 8:40
